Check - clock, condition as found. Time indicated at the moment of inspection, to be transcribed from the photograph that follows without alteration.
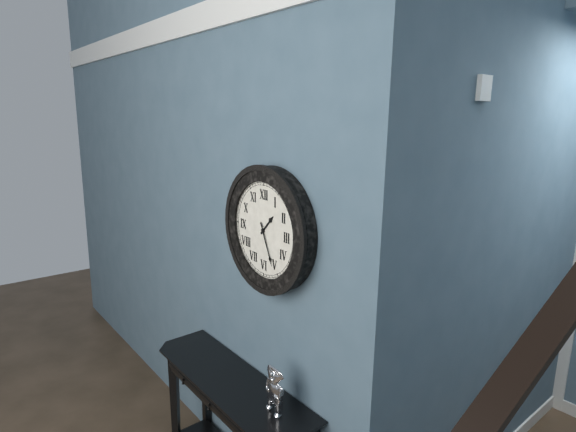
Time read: 1:26
